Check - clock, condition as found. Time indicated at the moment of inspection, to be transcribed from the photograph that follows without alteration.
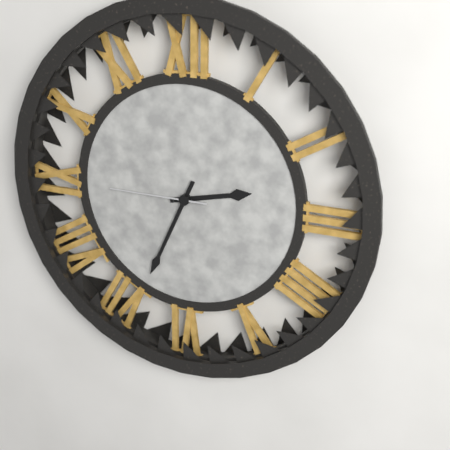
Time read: 2:34:45
